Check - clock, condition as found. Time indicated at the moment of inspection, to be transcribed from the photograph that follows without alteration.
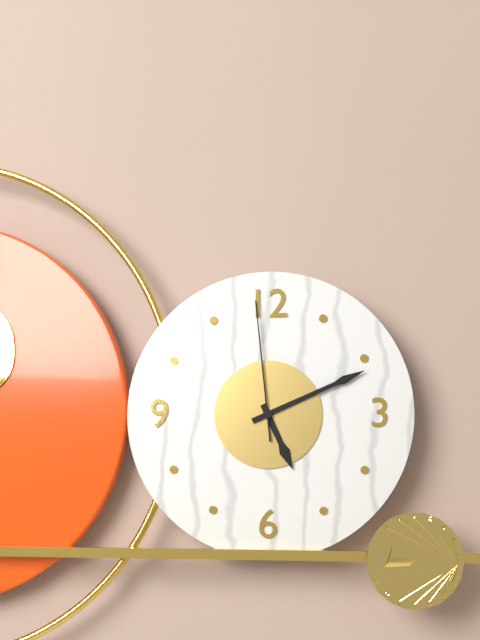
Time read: 5:11:59
